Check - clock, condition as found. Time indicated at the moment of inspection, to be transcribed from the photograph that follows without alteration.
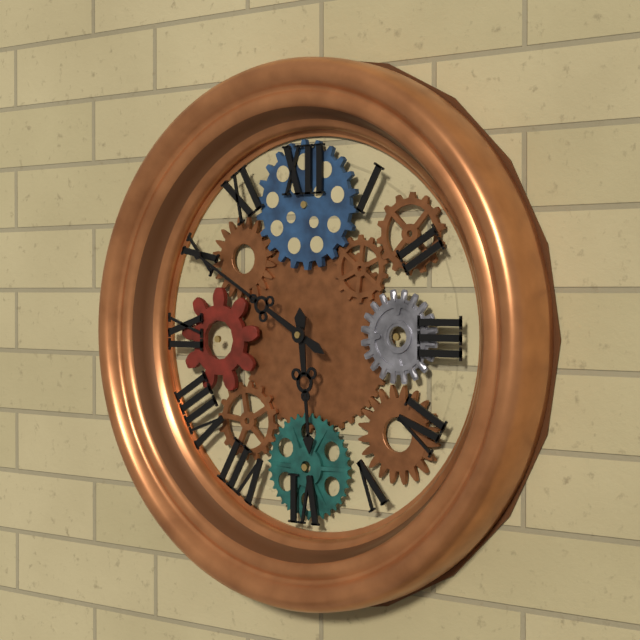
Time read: 5:50
